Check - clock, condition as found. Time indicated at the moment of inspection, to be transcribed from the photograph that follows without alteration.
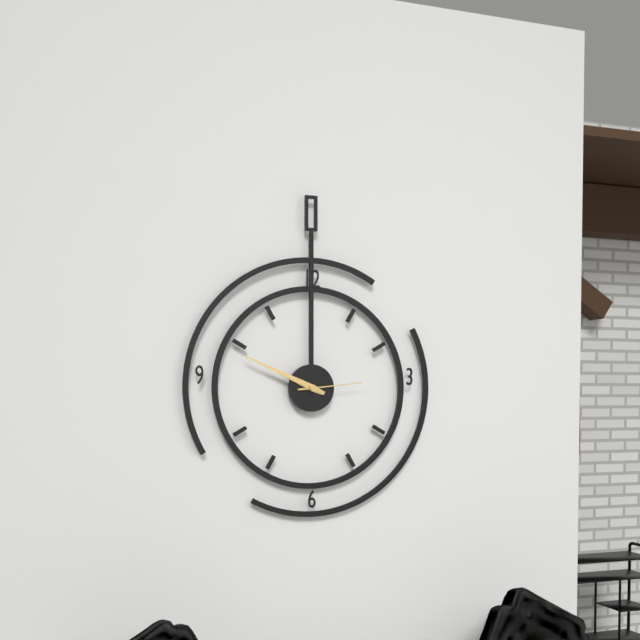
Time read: 9:49:14
